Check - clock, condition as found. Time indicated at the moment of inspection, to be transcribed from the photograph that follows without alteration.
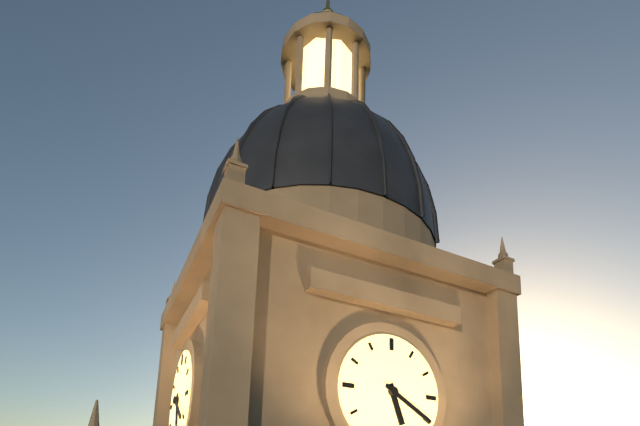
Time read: 5:20
